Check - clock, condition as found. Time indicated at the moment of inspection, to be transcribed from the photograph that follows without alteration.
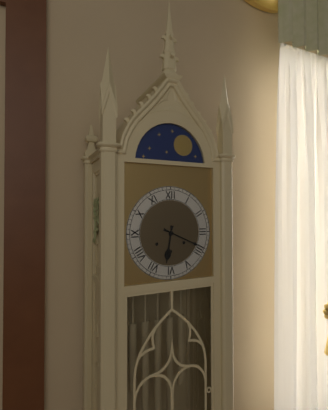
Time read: 6:19
